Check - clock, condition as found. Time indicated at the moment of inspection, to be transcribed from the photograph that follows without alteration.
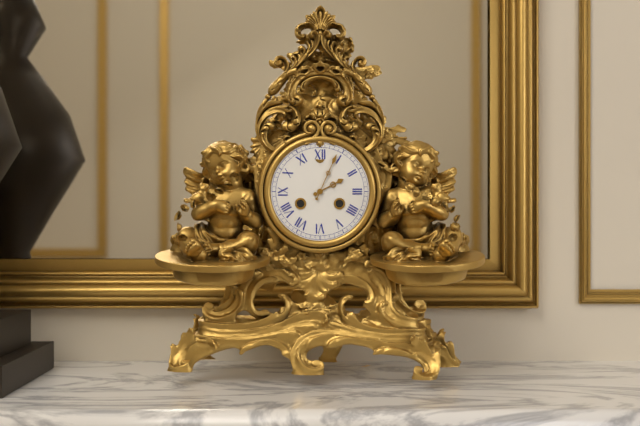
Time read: 2:04
